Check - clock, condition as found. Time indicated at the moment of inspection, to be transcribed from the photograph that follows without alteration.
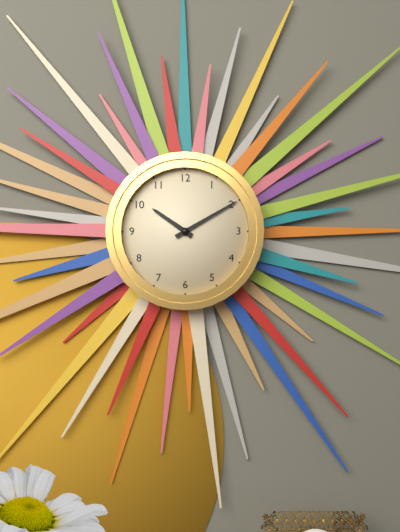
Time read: 10:10
